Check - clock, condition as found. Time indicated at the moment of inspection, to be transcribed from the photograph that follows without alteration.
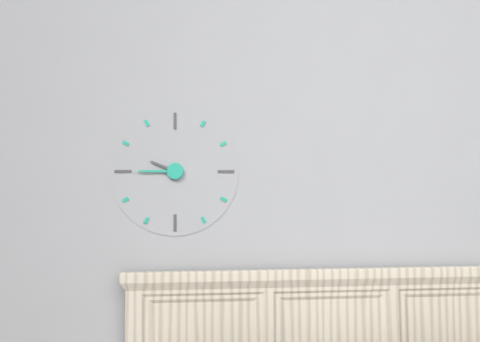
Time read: 9:45
